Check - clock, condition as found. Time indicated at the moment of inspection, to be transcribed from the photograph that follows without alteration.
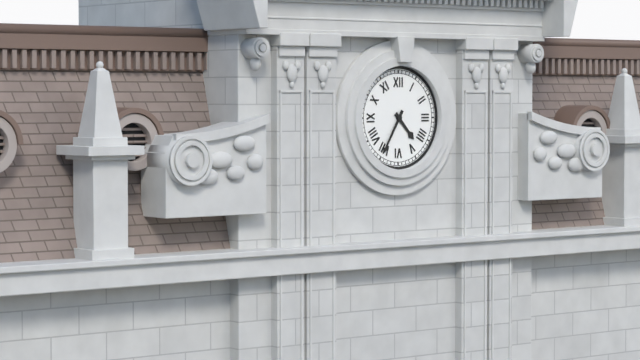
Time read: 4:35
